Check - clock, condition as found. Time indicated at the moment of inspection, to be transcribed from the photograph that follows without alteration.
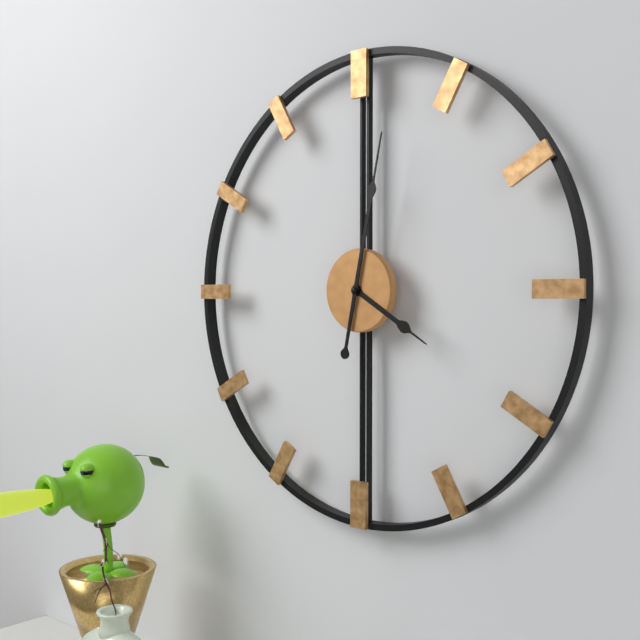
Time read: 4:02
